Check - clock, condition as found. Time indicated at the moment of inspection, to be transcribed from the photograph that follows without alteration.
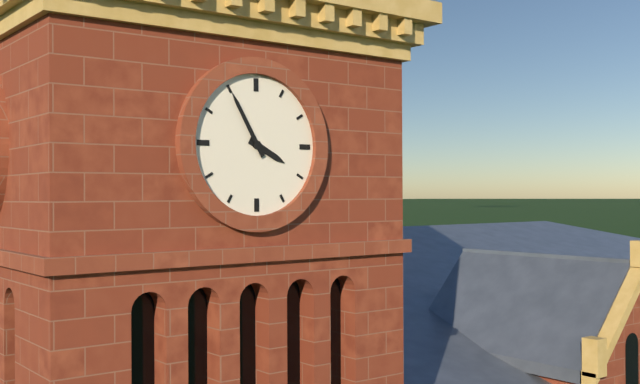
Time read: 3:55
